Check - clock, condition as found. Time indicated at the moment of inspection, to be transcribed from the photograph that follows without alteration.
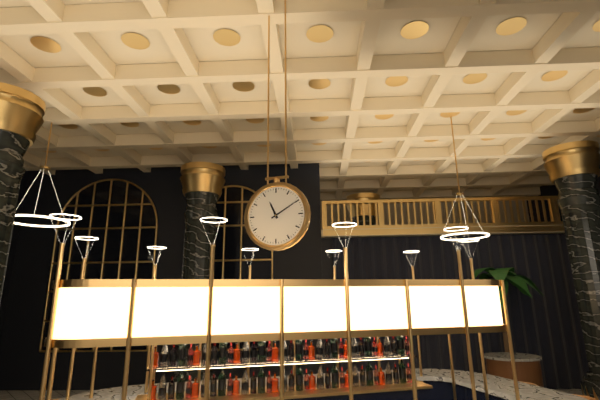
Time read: 11:10
